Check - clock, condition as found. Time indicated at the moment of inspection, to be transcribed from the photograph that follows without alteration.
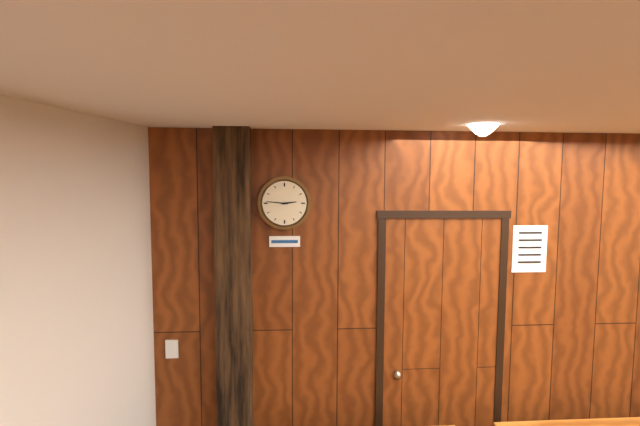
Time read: 2:46
